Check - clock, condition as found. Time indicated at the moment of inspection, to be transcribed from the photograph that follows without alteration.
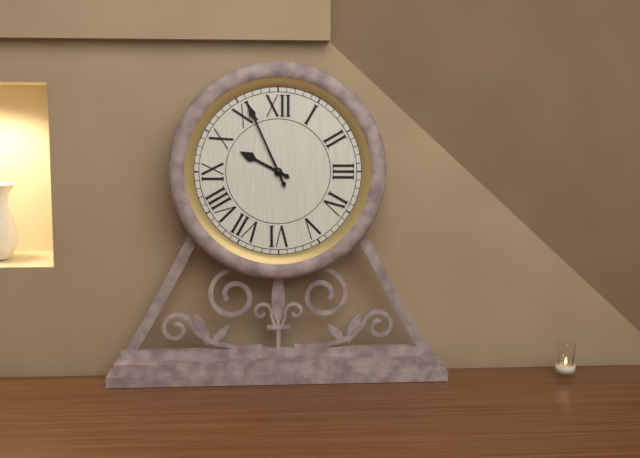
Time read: 9:56
